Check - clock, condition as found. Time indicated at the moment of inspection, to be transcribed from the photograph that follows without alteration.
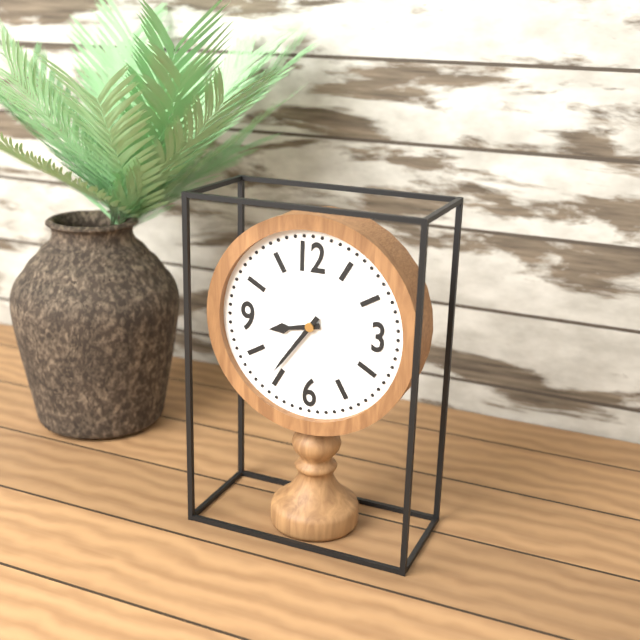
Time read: 8:36
